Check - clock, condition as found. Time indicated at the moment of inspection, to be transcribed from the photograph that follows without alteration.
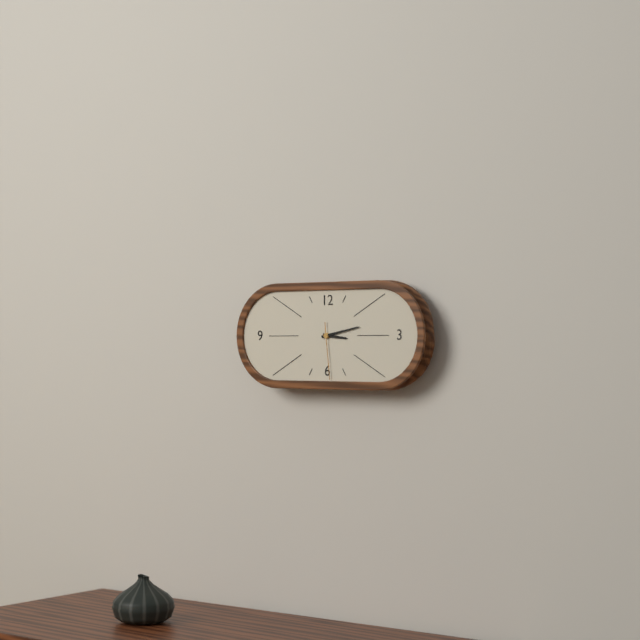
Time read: 3:13:29
